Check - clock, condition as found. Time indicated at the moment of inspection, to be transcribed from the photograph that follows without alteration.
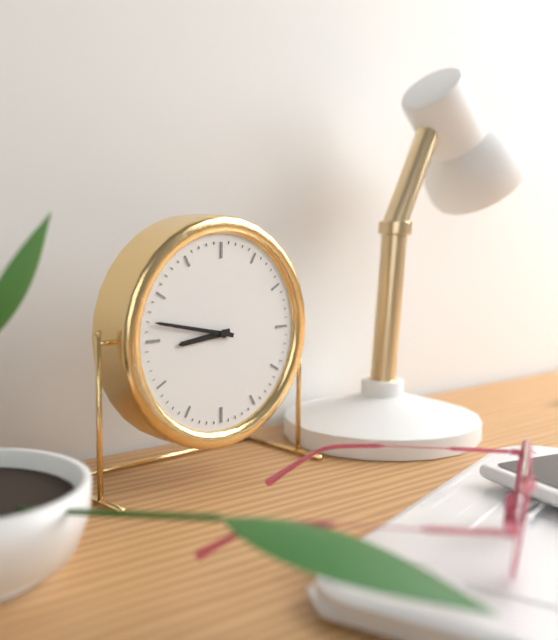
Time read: 8:47
